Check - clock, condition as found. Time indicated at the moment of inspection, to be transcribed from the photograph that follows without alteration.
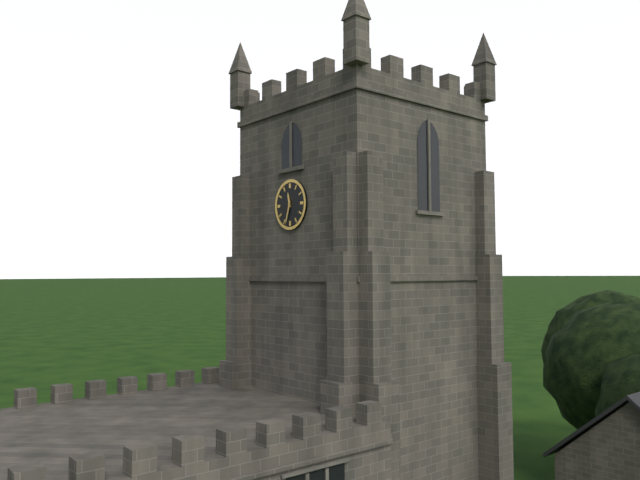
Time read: 11:33
